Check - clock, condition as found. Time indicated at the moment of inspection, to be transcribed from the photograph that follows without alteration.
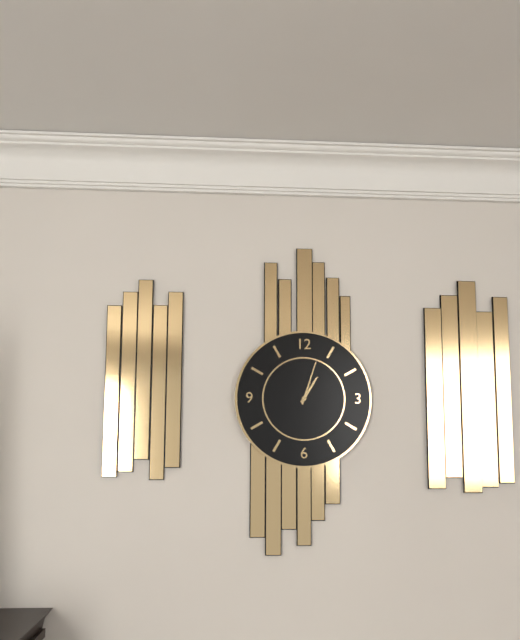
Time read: 1:03
